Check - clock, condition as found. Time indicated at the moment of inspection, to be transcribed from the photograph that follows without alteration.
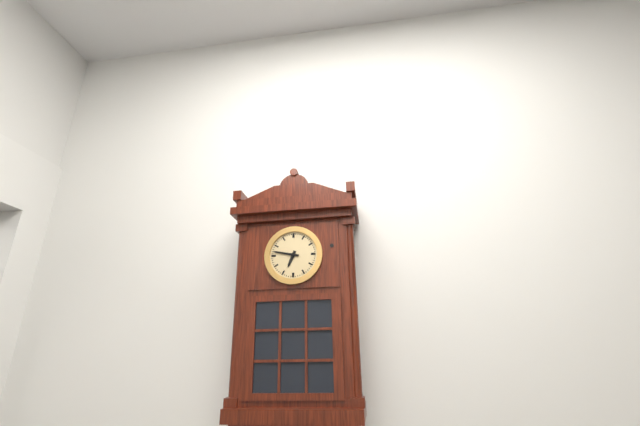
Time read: 6:47
